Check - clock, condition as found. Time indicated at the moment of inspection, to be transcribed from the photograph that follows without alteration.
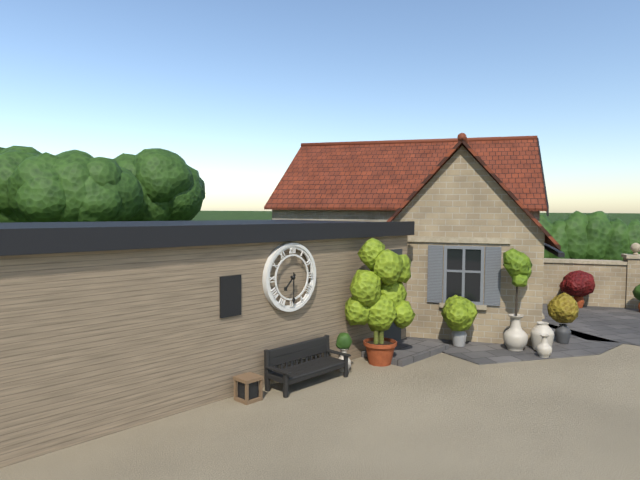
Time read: 7:30
